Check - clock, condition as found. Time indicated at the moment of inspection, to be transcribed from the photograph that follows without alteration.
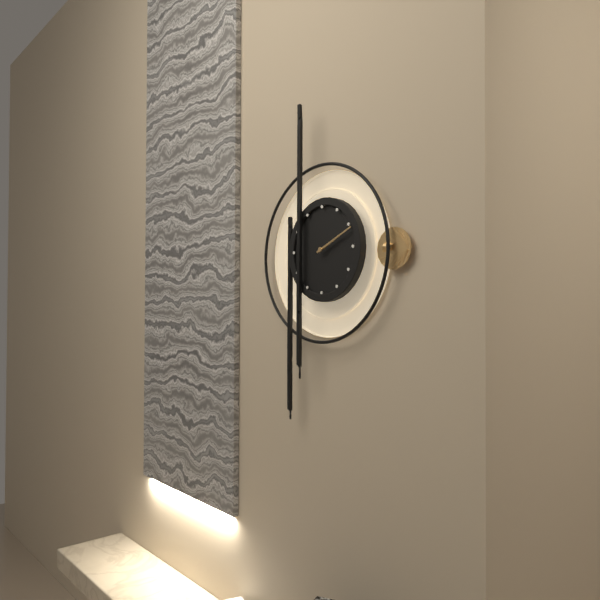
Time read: 2:11
